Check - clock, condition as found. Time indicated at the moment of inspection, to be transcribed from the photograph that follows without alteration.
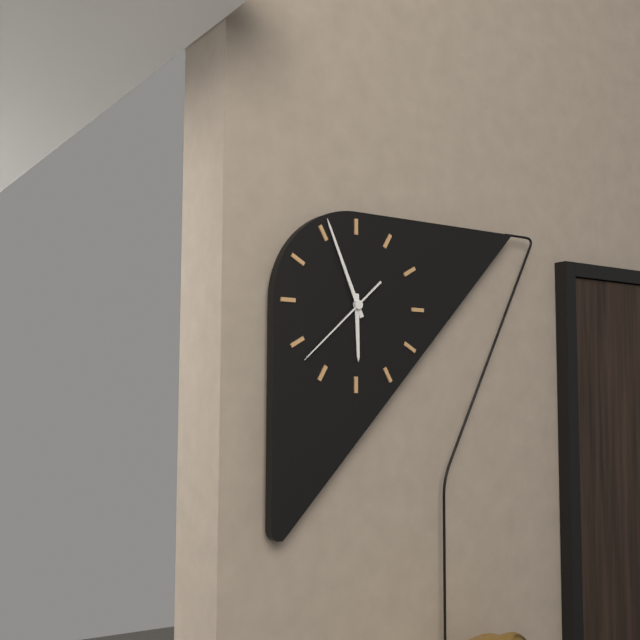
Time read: 5:56:38
